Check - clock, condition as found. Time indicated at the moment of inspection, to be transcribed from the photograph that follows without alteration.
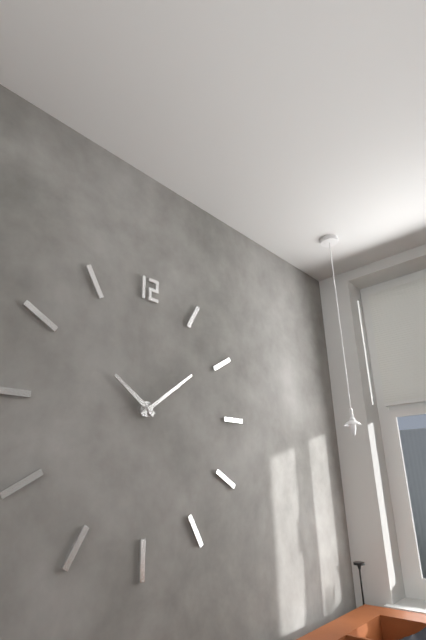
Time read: 10:09
